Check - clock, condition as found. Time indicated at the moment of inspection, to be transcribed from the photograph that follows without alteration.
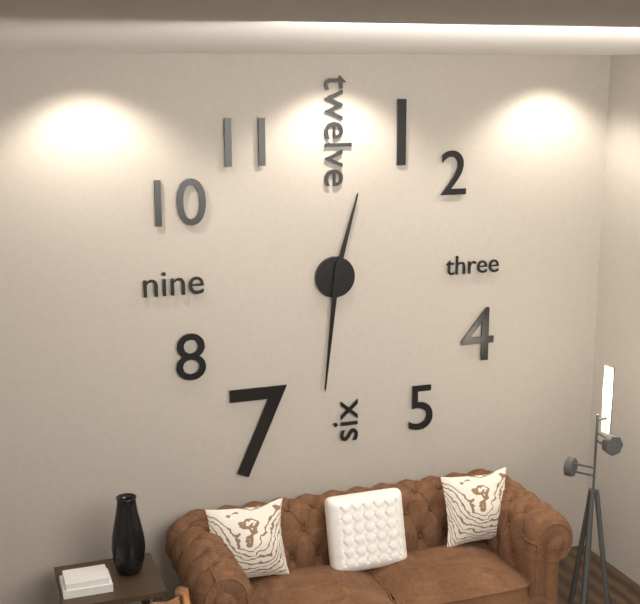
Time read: 12:31
